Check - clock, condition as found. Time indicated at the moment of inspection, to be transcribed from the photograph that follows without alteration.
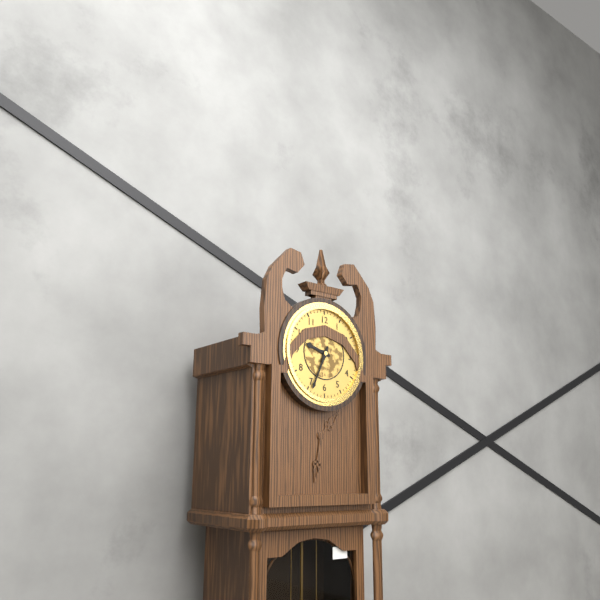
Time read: 9:34
